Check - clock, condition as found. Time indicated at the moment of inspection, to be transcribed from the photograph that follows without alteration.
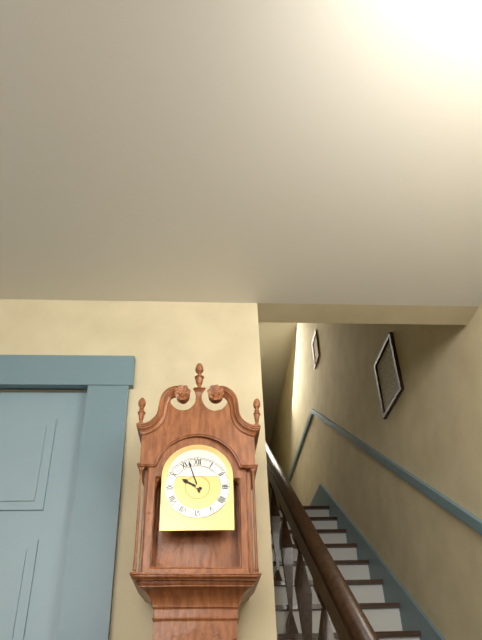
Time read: 9:57
